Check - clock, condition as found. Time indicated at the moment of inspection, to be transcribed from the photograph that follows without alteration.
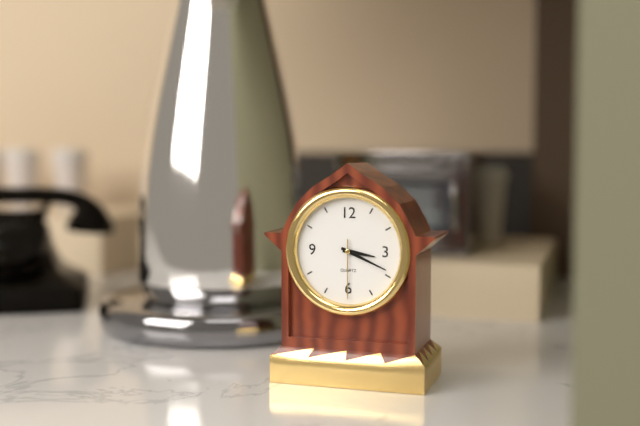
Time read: 3:19:30
